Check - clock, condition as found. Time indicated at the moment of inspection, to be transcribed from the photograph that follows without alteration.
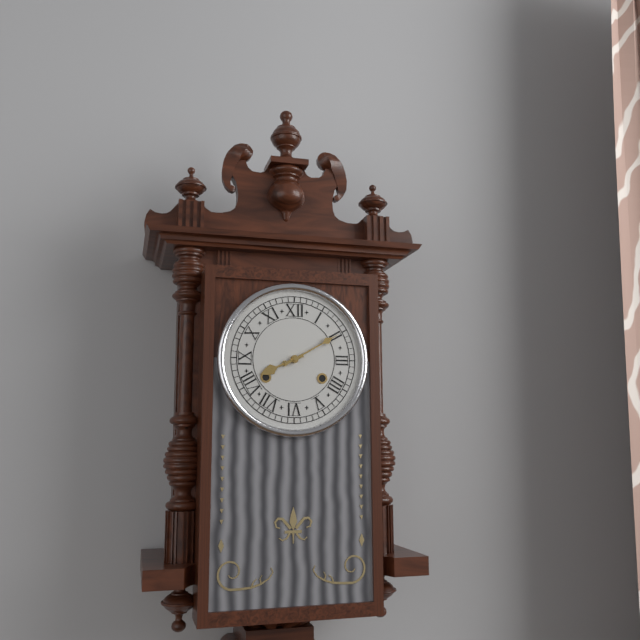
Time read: 8:10
